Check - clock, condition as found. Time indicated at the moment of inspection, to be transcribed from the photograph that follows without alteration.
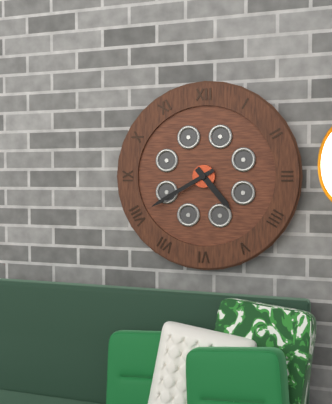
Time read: 4:40
